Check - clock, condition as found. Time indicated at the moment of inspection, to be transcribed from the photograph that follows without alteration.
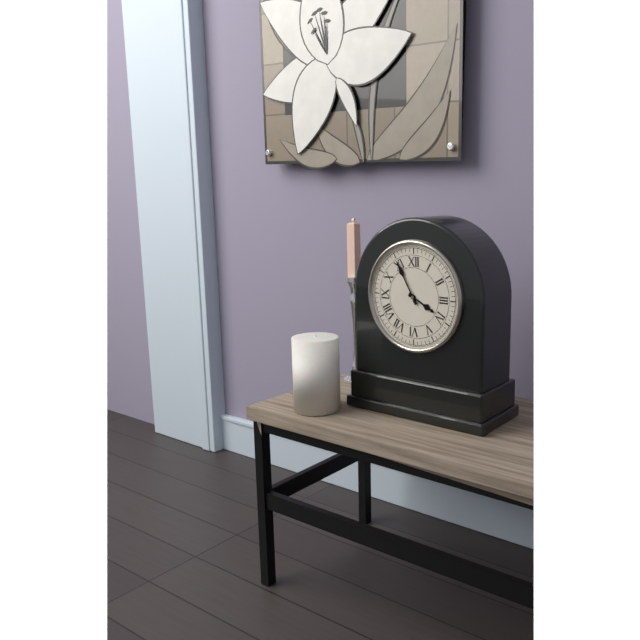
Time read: 3:55
